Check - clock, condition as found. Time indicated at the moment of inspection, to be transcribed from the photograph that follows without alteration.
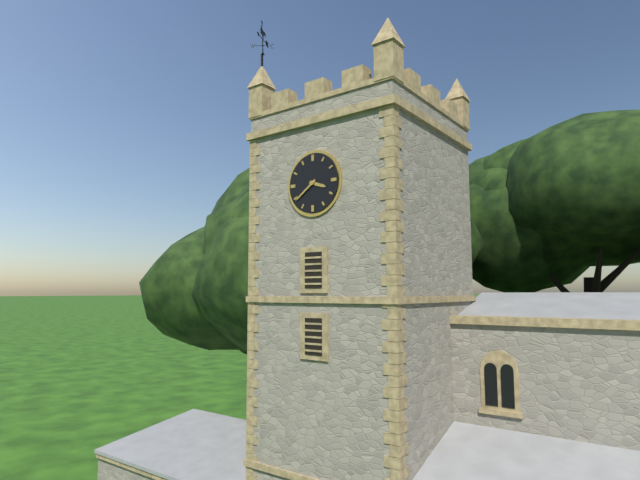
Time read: 3:39
